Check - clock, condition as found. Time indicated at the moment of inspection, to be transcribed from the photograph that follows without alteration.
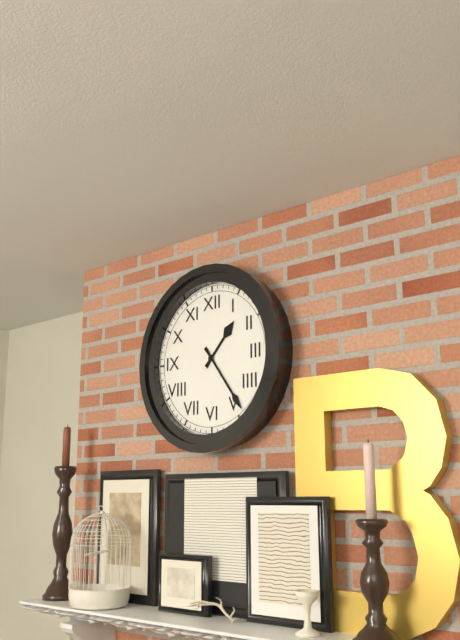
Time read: 1:24
